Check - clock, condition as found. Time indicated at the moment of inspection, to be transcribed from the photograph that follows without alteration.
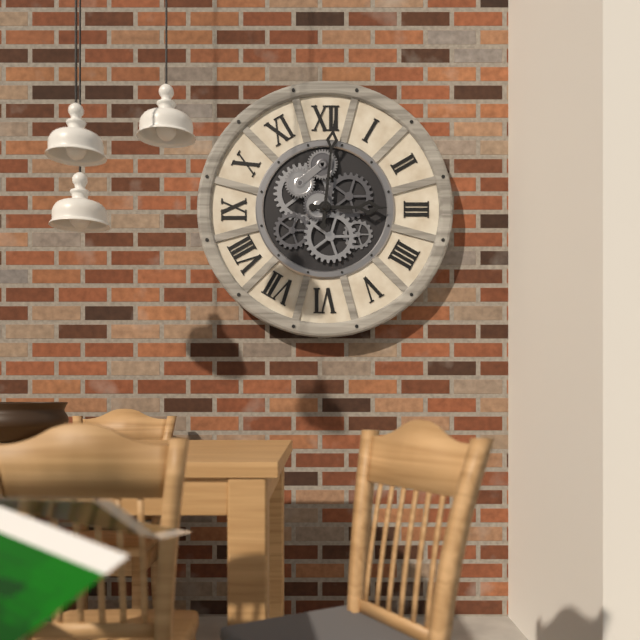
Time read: 3:01
